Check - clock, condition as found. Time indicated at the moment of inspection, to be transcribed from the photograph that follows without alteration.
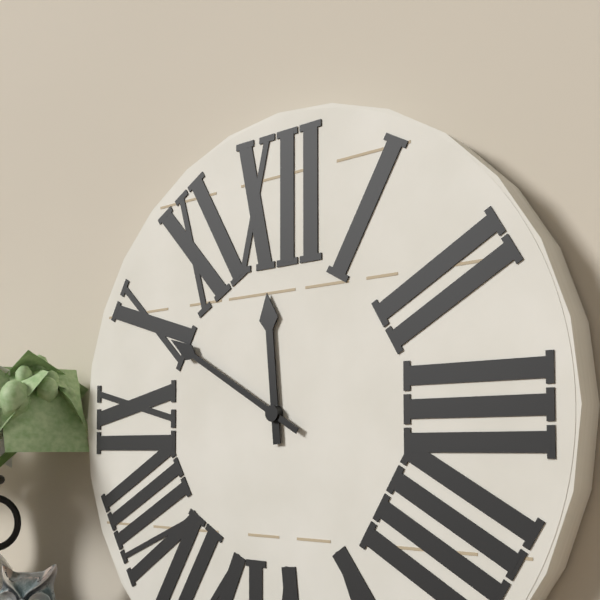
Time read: 11:50
